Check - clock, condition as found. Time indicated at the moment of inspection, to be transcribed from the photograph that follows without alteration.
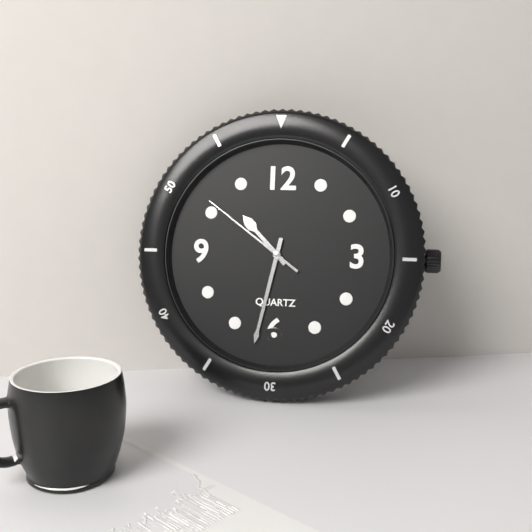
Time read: 10:32:51
